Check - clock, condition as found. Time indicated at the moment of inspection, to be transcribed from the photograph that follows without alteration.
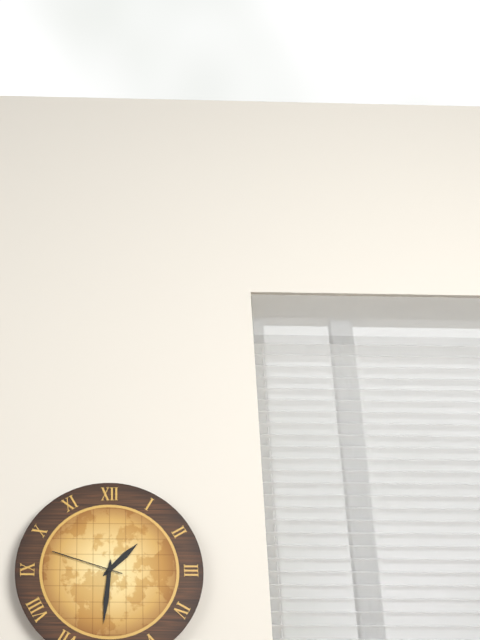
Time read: 1:31:48
